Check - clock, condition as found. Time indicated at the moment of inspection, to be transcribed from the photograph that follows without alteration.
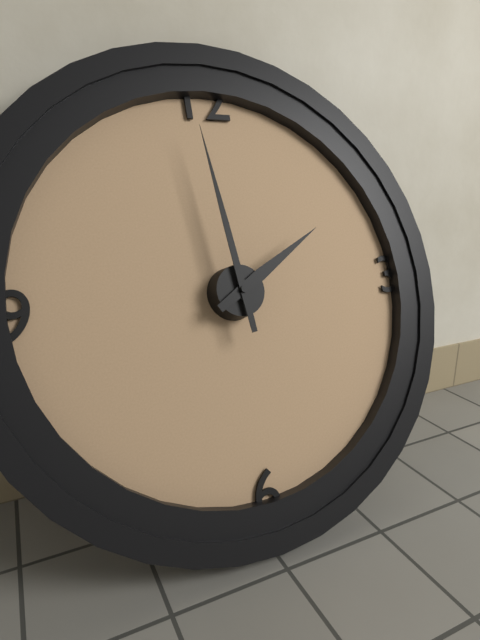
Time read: 1:59
